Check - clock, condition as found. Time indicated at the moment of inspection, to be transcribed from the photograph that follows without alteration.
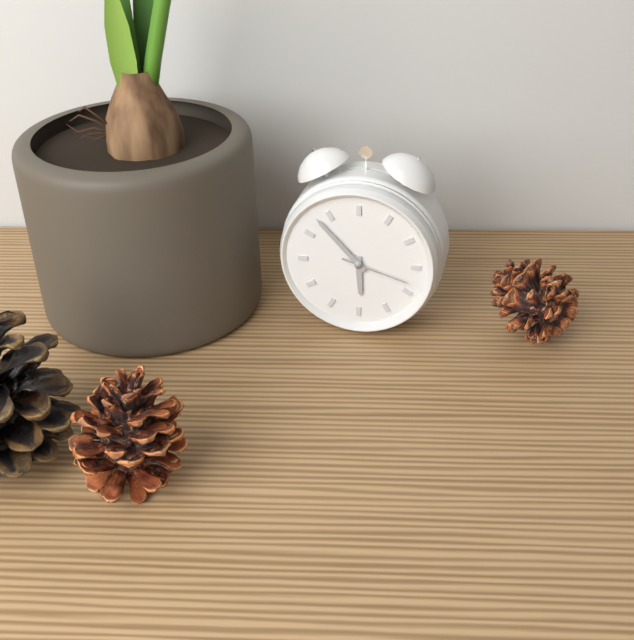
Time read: 5:53:18
